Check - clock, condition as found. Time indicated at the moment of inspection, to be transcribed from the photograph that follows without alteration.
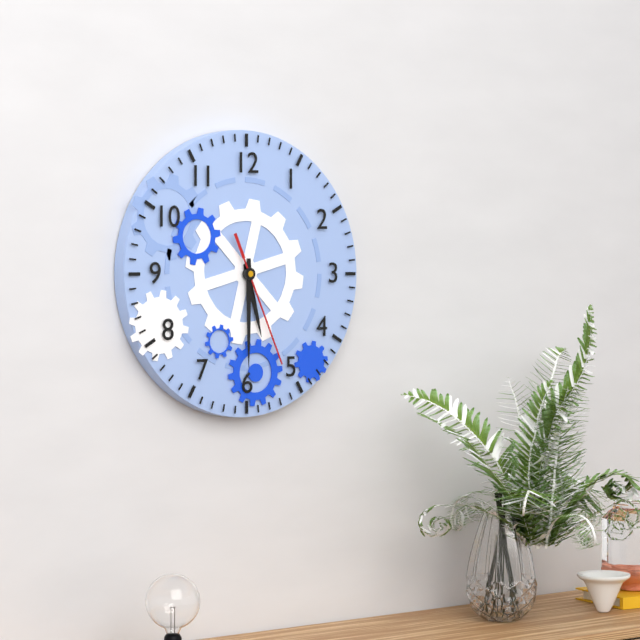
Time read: 5:30:26
